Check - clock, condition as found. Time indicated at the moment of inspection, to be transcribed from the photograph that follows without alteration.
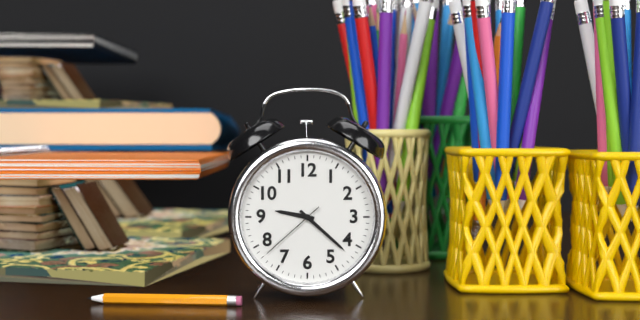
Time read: 9:22:38
